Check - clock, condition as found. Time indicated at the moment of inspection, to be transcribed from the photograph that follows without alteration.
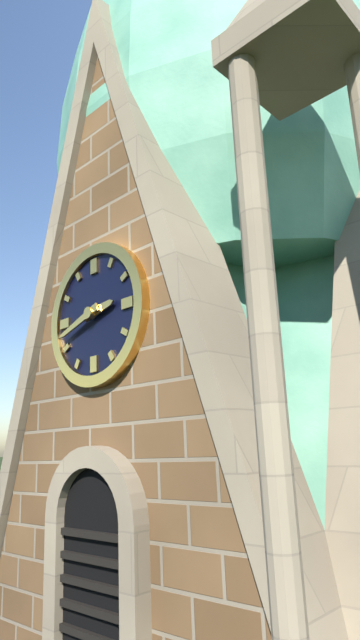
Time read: 2:42
